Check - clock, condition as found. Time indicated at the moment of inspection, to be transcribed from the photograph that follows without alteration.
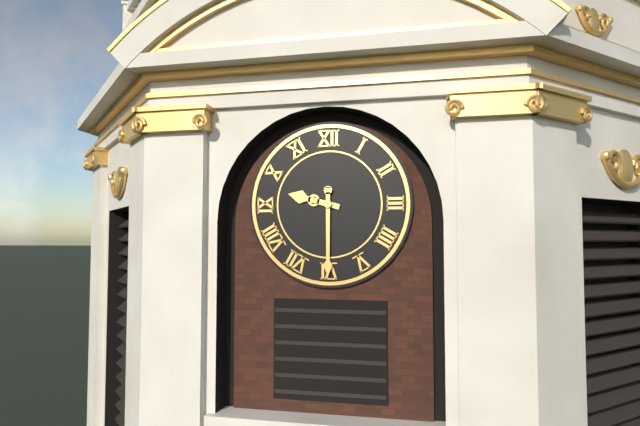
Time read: 9:30
